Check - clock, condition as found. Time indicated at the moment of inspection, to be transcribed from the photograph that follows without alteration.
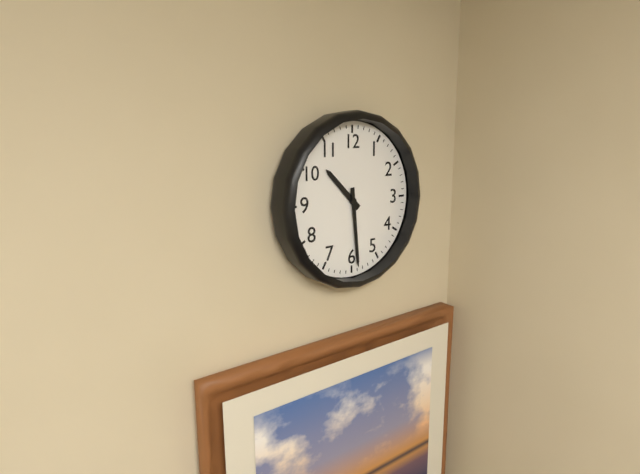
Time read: 10:29
